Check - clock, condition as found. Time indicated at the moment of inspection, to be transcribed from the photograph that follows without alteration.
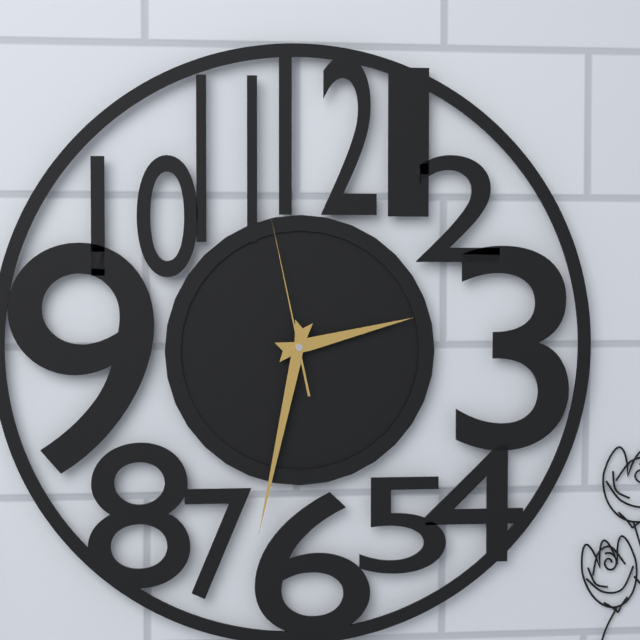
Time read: 2:32:58
